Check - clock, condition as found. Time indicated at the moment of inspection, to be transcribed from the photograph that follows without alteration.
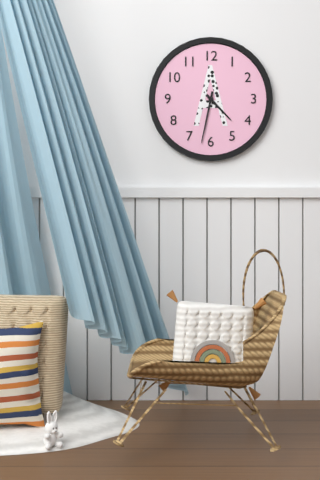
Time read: 4:32
